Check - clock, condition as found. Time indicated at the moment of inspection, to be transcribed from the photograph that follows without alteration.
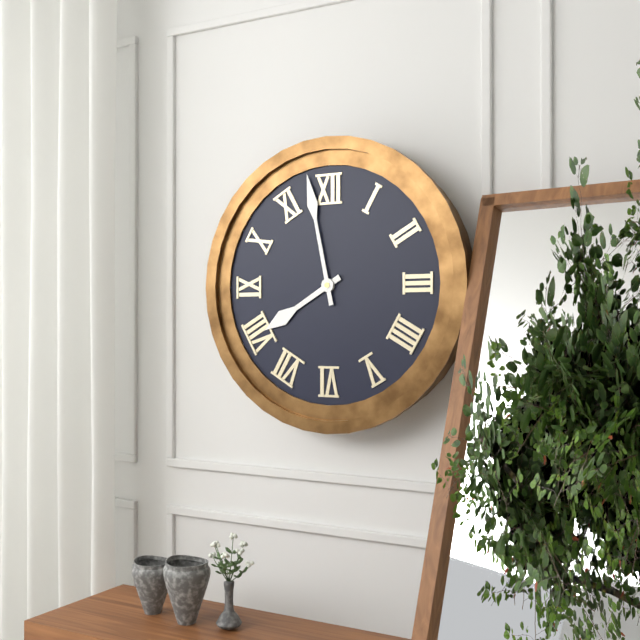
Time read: 7:58
